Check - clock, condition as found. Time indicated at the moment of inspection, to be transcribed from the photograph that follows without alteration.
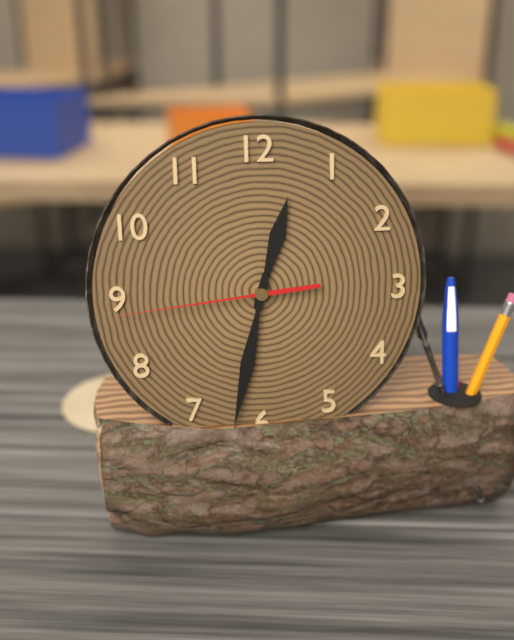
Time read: 12:32:44
